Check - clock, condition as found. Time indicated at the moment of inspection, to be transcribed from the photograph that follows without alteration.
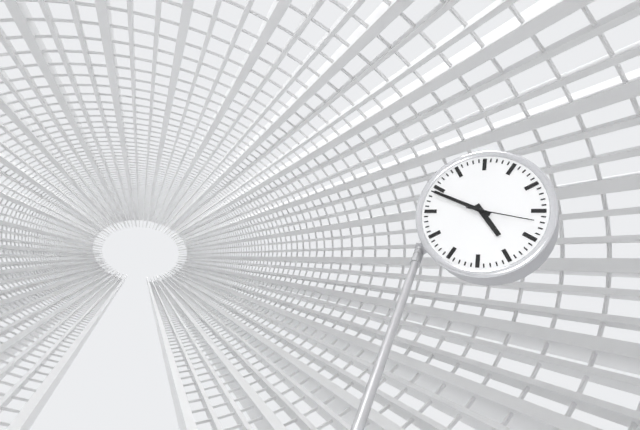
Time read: 4:49:17
